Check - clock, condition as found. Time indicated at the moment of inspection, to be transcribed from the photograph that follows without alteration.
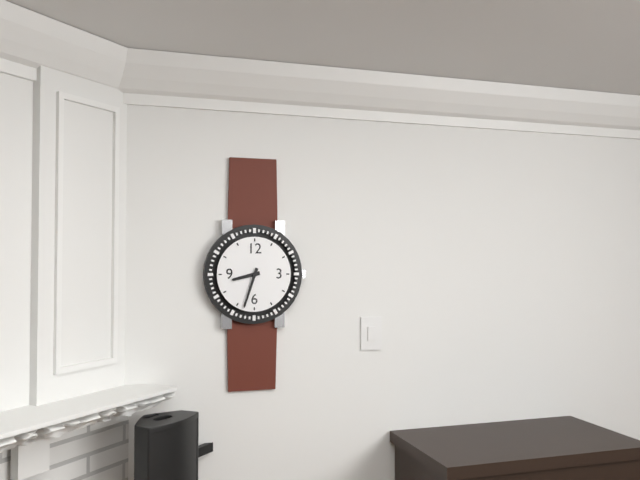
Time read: 8:33
